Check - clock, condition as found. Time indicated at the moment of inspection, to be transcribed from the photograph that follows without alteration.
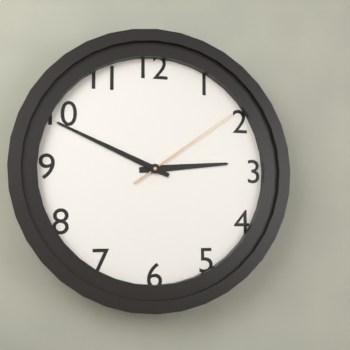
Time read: 2:49:09
